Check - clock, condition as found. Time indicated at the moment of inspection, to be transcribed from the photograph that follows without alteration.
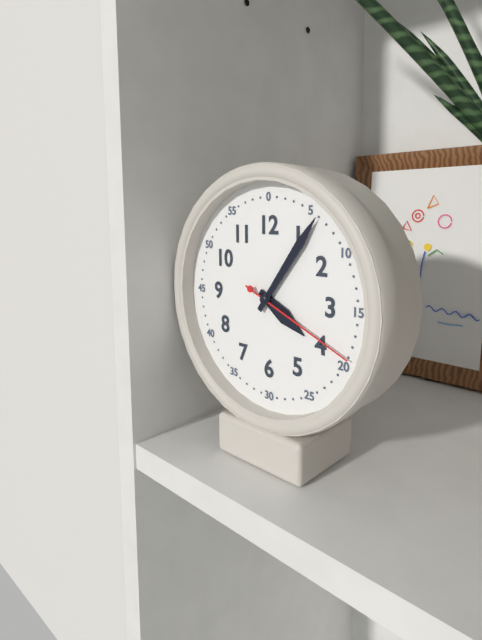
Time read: 4:06:19
